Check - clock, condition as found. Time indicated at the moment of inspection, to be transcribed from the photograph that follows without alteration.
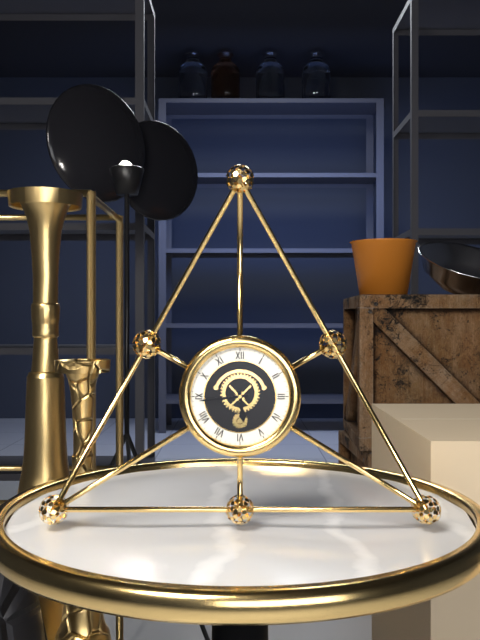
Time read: 5:44
